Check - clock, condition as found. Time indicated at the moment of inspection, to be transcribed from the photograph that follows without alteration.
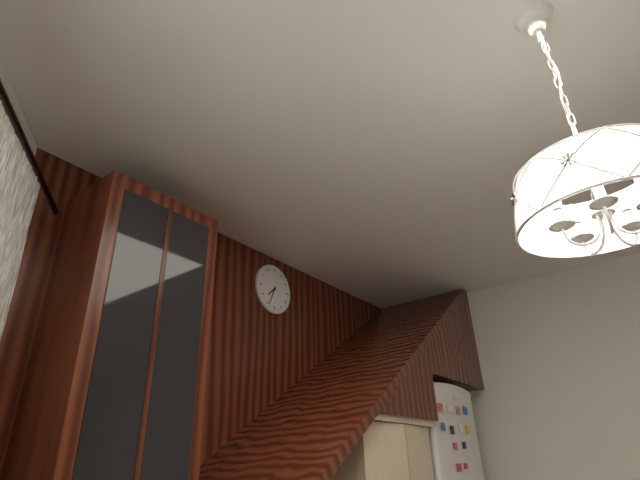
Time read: 7:34
